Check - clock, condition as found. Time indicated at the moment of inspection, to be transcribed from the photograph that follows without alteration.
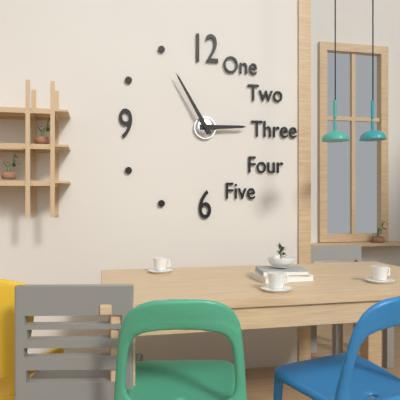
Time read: 2:55
